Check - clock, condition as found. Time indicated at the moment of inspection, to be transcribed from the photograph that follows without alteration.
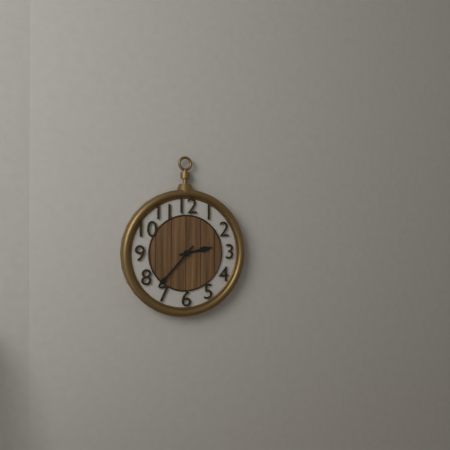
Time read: 2:37
